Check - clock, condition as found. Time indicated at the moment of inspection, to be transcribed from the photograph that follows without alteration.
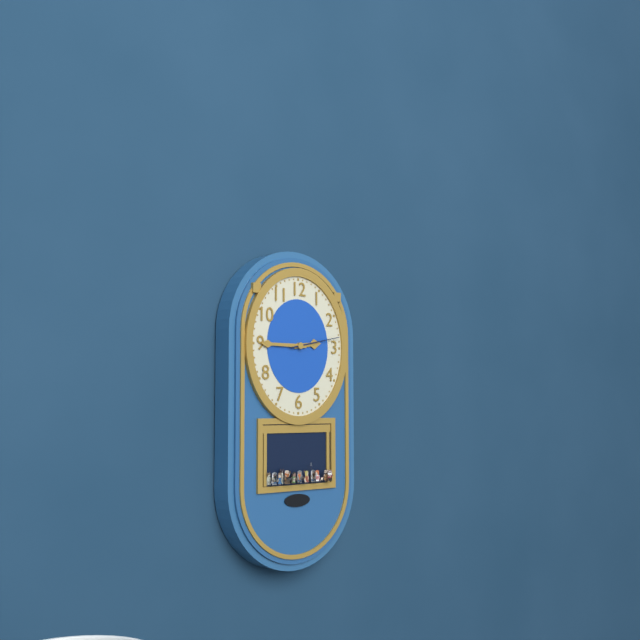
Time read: 2:45:13
